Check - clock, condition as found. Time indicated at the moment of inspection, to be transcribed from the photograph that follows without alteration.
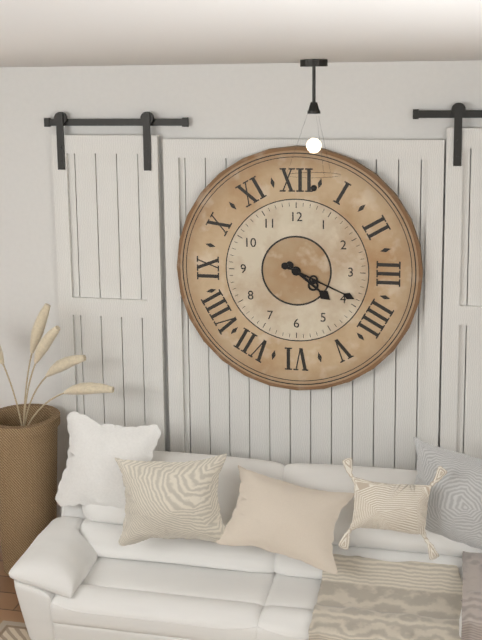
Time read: 4:19
